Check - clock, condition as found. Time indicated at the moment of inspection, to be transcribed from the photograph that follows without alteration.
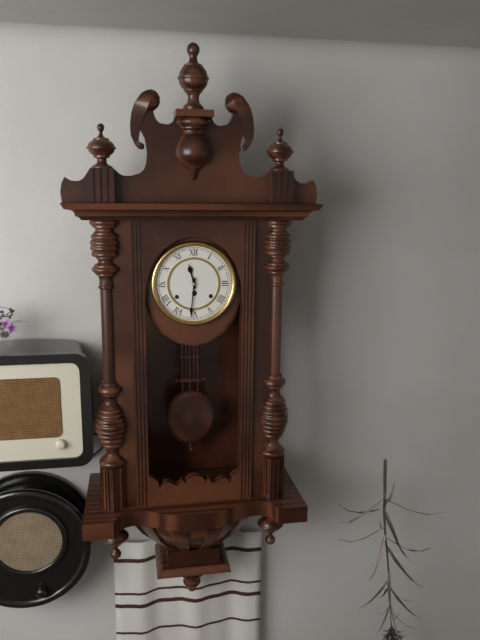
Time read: 11:31
